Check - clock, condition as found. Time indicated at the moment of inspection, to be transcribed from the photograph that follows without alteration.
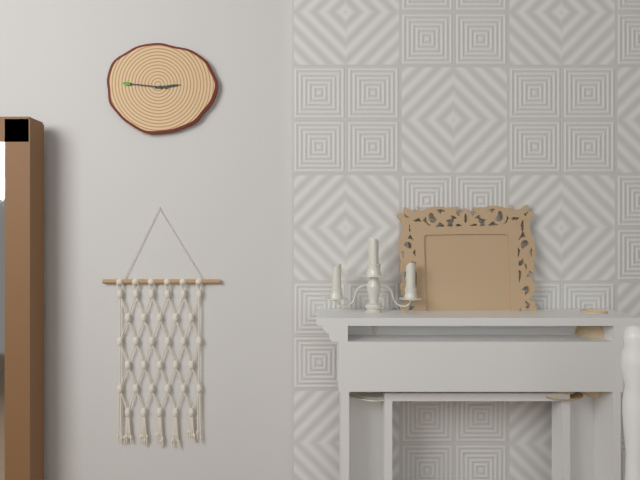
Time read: 2:46
